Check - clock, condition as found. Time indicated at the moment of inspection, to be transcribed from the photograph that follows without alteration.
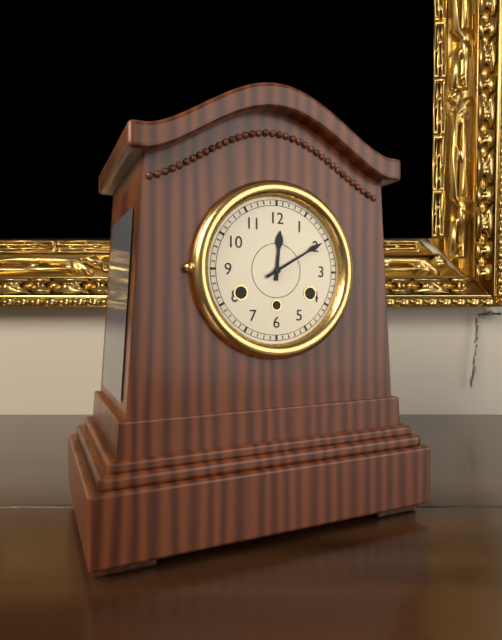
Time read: 12:10
